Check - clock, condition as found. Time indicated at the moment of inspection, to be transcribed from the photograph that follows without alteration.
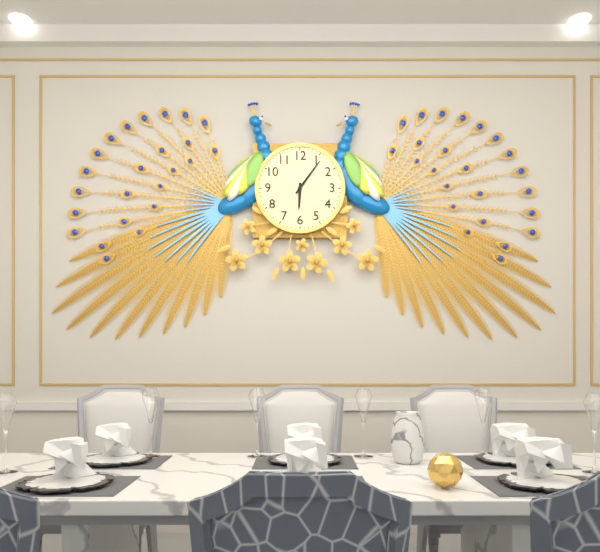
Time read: 6:06
